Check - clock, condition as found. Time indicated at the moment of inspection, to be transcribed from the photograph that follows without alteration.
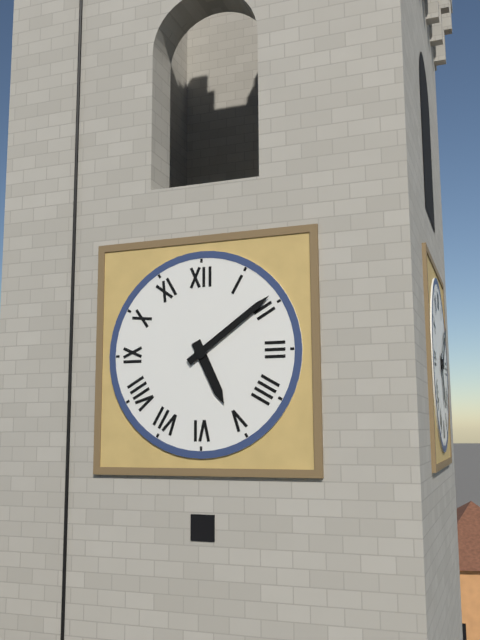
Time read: 5:09
